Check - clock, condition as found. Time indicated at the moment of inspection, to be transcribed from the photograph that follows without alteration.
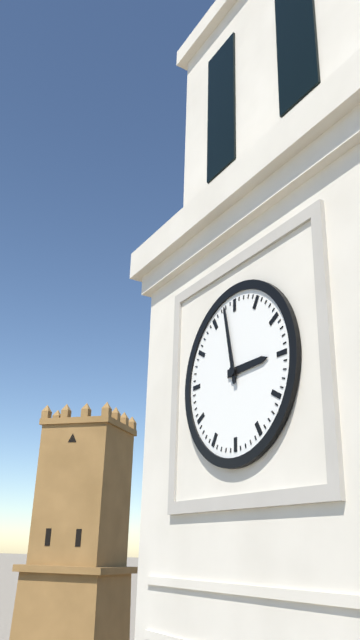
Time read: 2:58
